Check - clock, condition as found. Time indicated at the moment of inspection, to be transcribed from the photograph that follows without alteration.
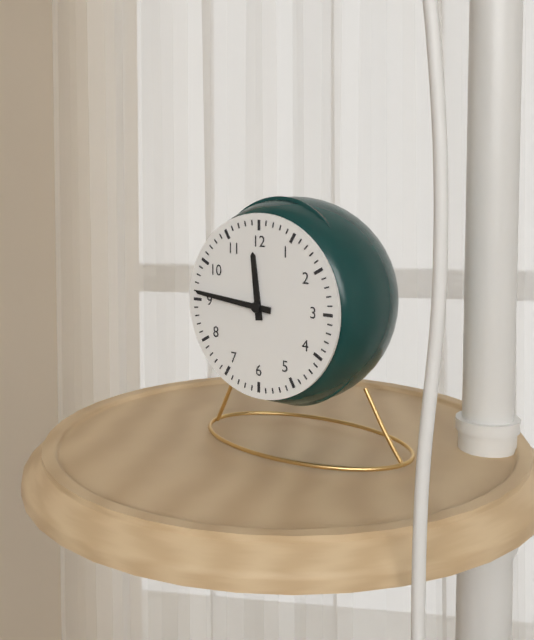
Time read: 11:46
